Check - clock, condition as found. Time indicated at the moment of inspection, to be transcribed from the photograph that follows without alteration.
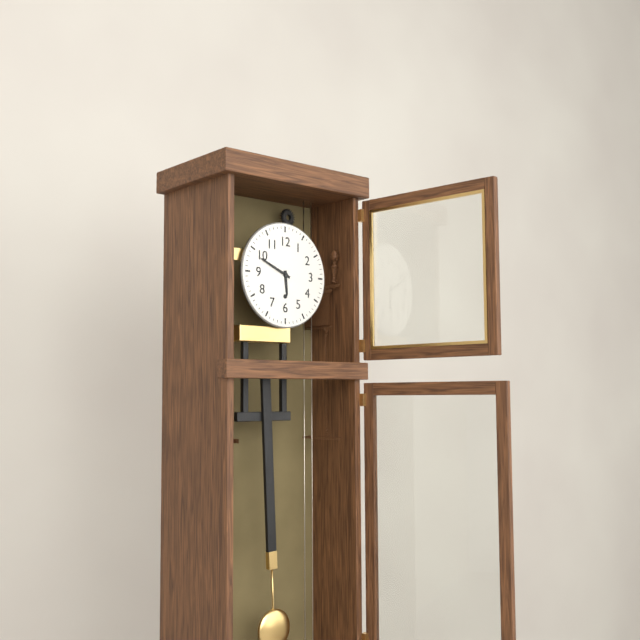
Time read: 5:49
